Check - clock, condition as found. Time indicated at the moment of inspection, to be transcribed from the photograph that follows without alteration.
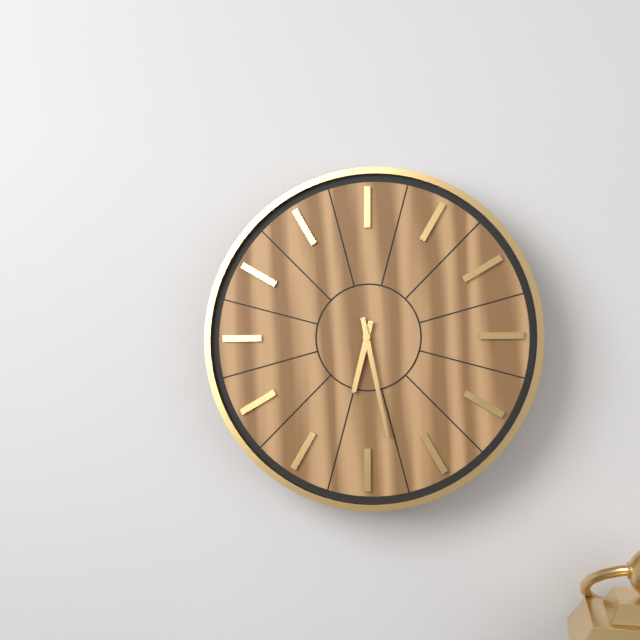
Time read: 6:28
